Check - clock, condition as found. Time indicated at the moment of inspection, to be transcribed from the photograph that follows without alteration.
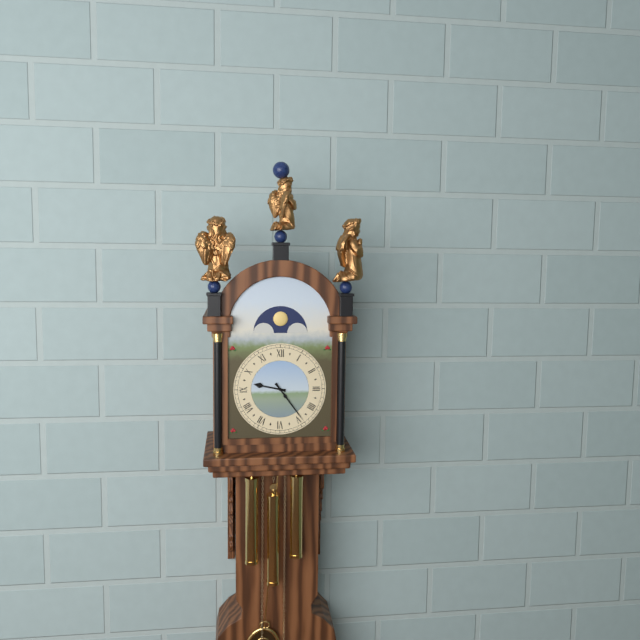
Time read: 9:24
